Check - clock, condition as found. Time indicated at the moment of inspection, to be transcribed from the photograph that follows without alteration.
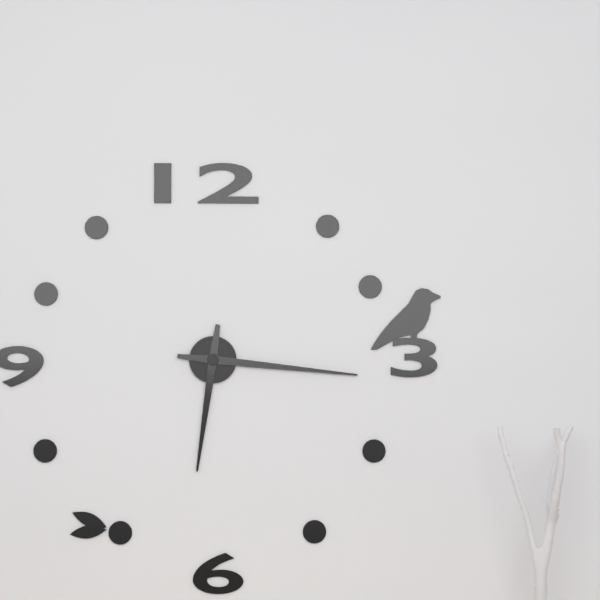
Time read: 6:16
